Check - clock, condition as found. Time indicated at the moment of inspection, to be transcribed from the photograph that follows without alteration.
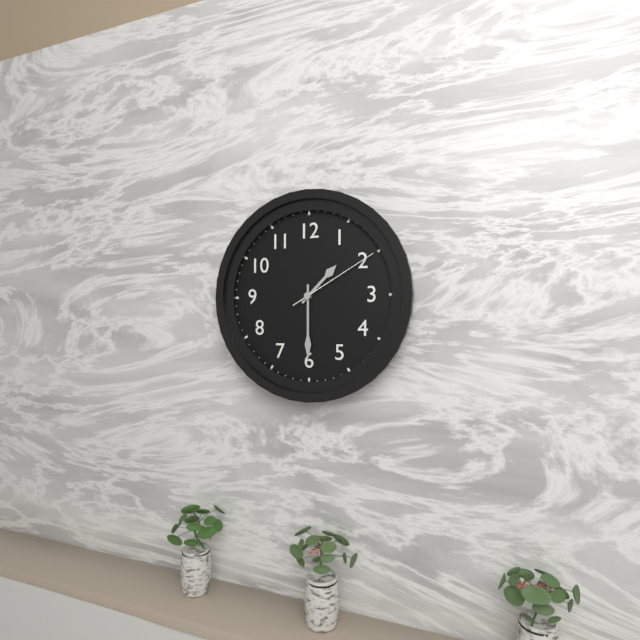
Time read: 1:30:10
